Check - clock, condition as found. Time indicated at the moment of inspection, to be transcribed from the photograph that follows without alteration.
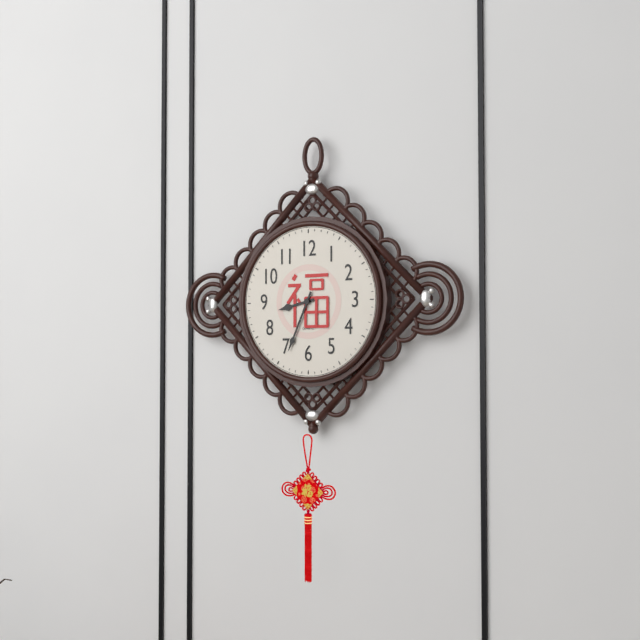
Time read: 8:34
